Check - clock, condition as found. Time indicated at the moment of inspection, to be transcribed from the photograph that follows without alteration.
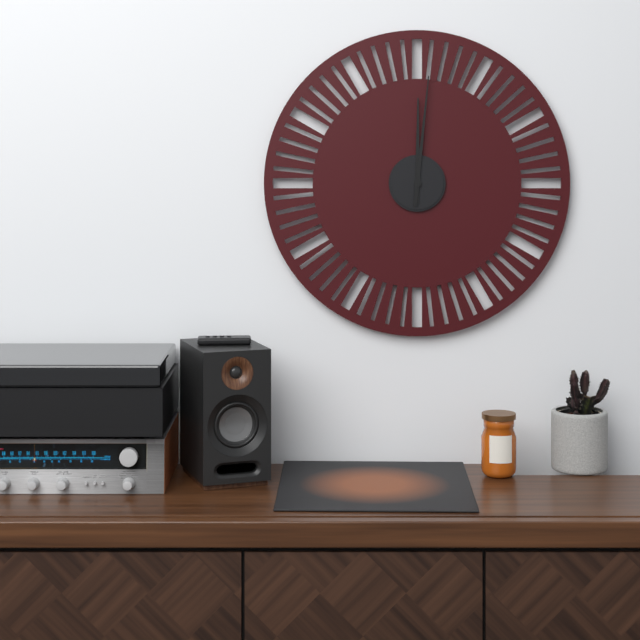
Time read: 12:01
